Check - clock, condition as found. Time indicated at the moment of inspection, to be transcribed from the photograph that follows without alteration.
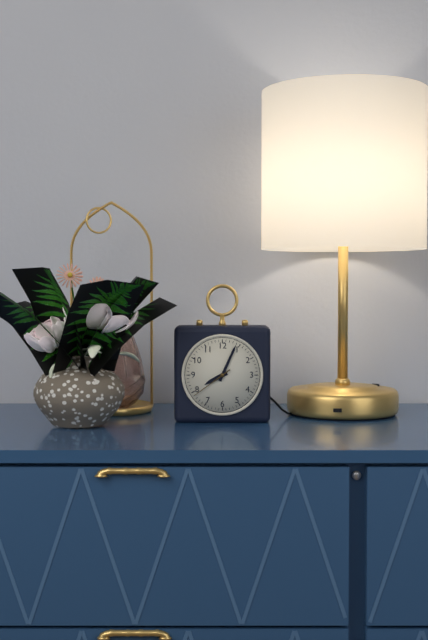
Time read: 8:04
